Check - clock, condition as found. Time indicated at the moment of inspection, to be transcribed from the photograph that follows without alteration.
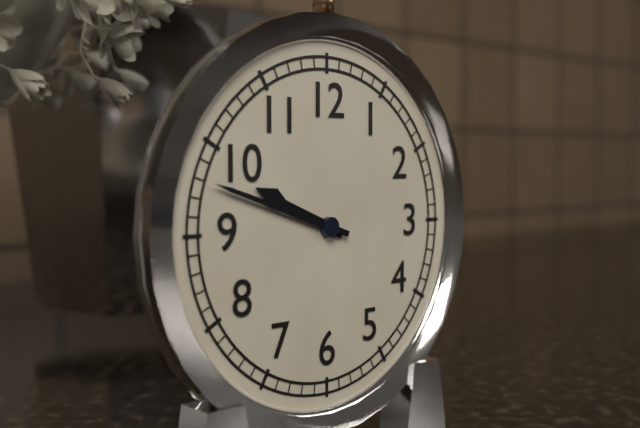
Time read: 9:48
